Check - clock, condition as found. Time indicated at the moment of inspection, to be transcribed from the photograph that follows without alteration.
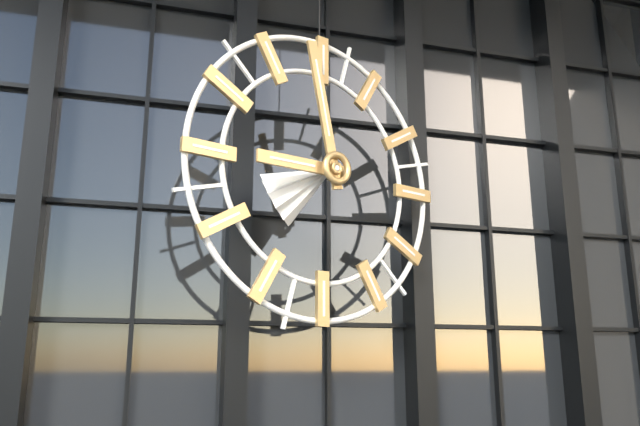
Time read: 8:58
